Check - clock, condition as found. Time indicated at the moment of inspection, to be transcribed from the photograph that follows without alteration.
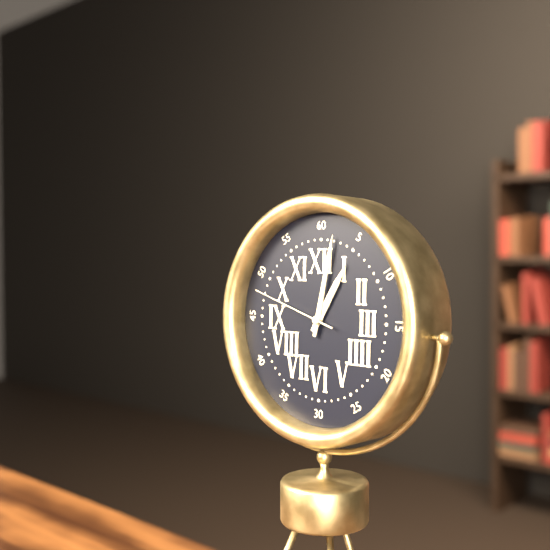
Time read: 1:02:48
